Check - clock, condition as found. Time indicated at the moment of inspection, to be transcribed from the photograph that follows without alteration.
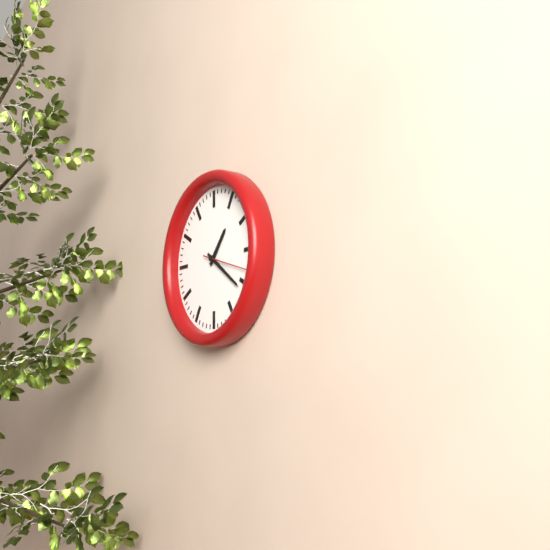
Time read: 1:21
